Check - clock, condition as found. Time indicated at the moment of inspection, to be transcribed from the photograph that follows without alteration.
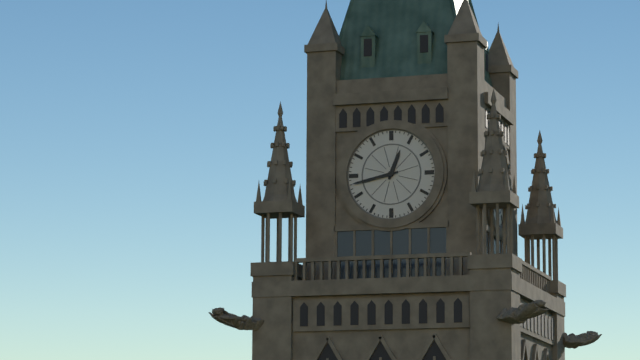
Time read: 12:43
